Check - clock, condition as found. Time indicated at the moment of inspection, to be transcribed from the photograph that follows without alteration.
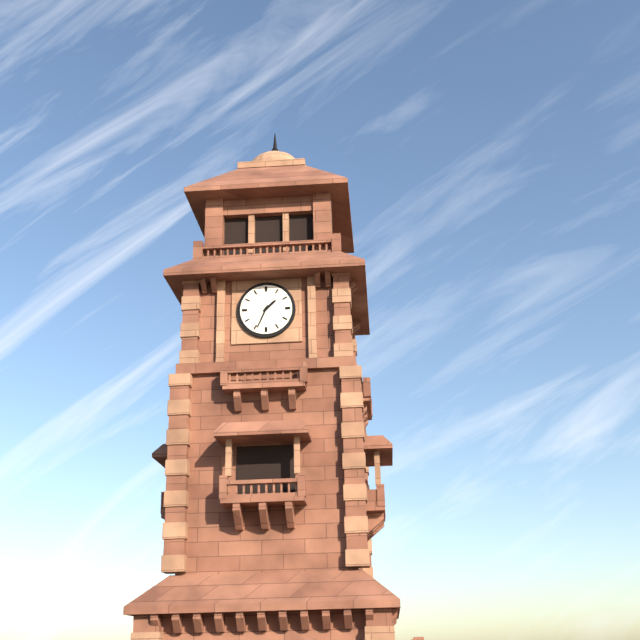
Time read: 1:34
